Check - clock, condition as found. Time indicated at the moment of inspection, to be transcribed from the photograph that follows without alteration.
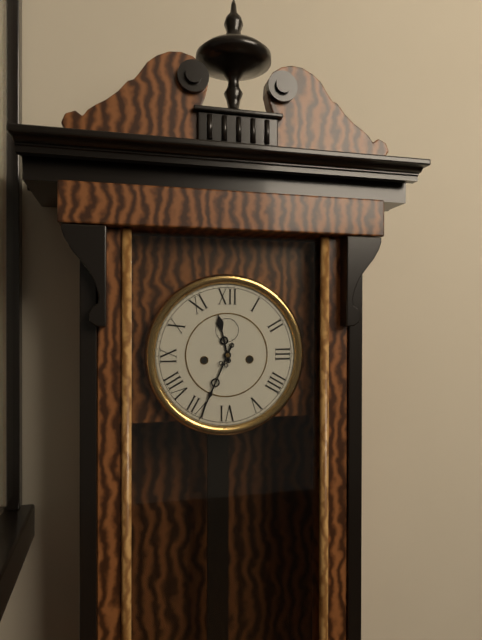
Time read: 11:34
